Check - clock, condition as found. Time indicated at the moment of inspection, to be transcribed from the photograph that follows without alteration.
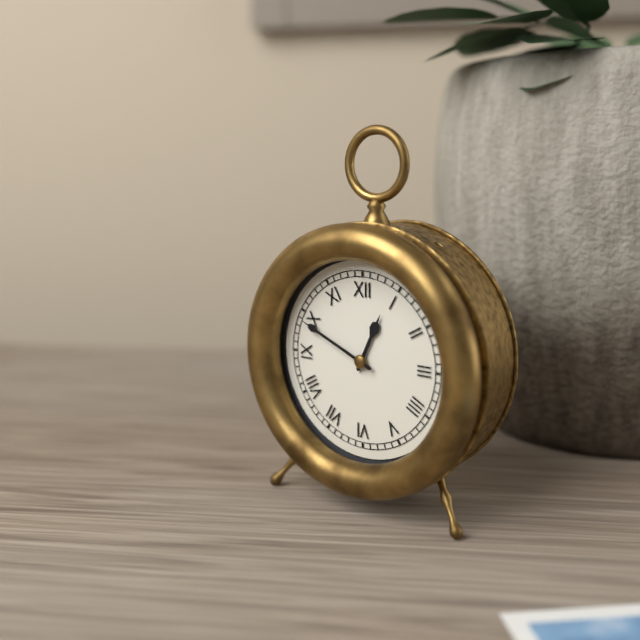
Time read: 12:49
